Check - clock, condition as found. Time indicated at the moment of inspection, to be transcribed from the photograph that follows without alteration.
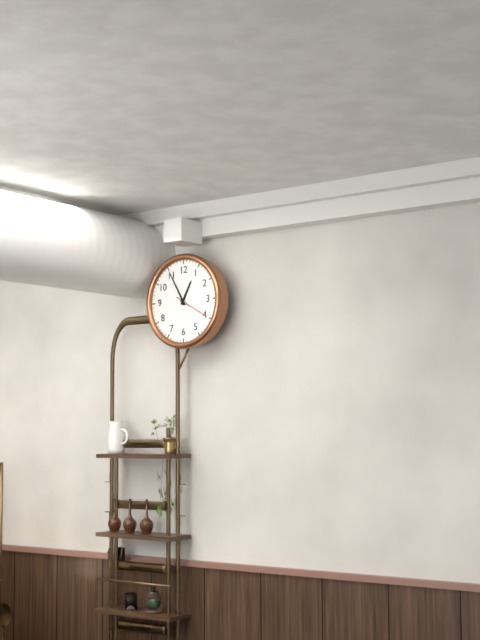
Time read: 12:55
